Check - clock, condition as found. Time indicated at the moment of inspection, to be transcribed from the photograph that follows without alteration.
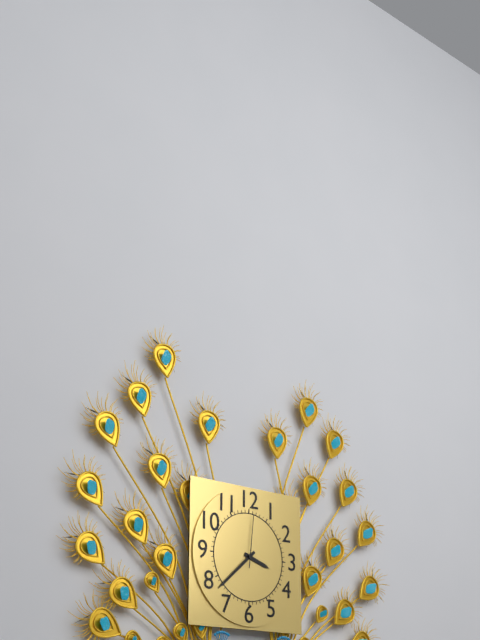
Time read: 3:38:01
